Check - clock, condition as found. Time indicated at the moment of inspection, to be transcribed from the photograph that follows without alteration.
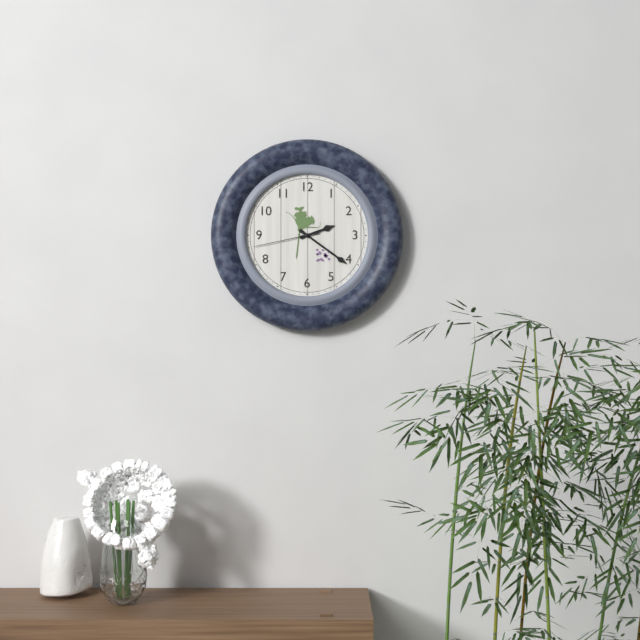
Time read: 2:21:43
